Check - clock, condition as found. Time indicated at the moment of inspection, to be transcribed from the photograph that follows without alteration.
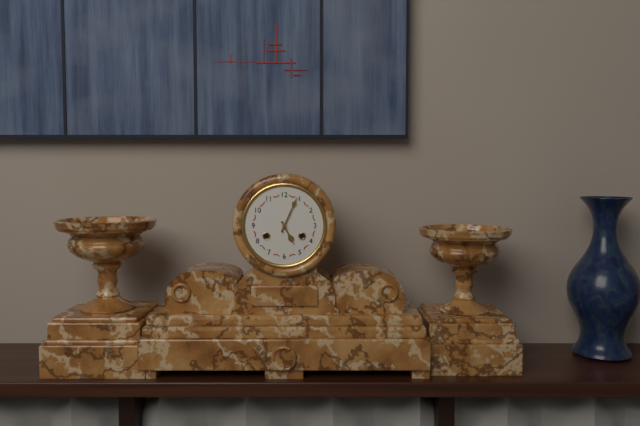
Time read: 5:04
